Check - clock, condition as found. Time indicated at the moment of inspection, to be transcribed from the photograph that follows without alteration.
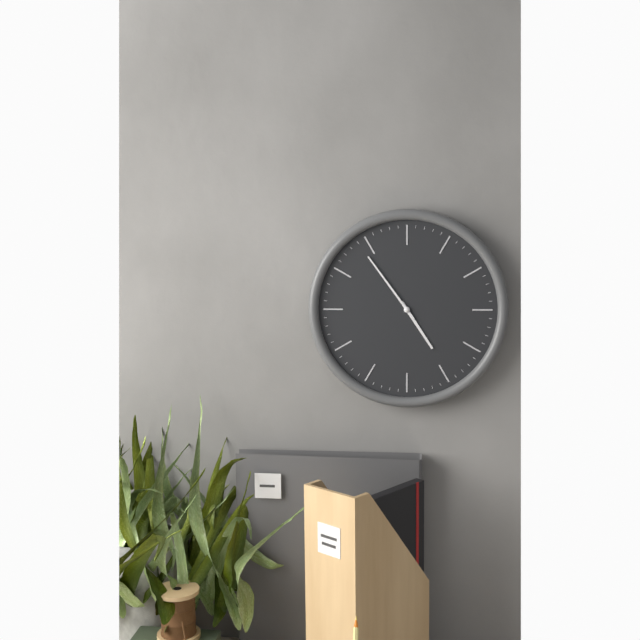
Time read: 4:54
